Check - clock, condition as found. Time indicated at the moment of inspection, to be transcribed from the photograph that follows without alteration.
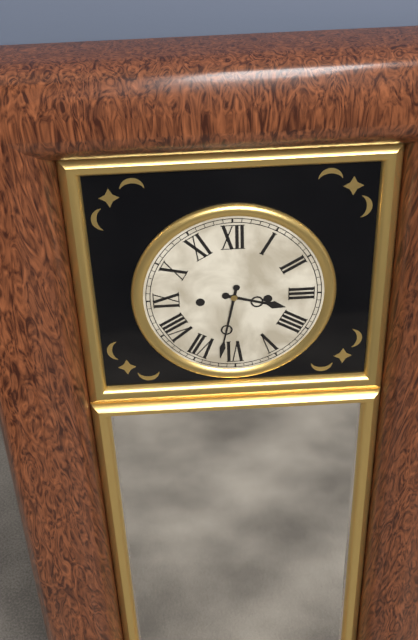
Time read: 3:32
